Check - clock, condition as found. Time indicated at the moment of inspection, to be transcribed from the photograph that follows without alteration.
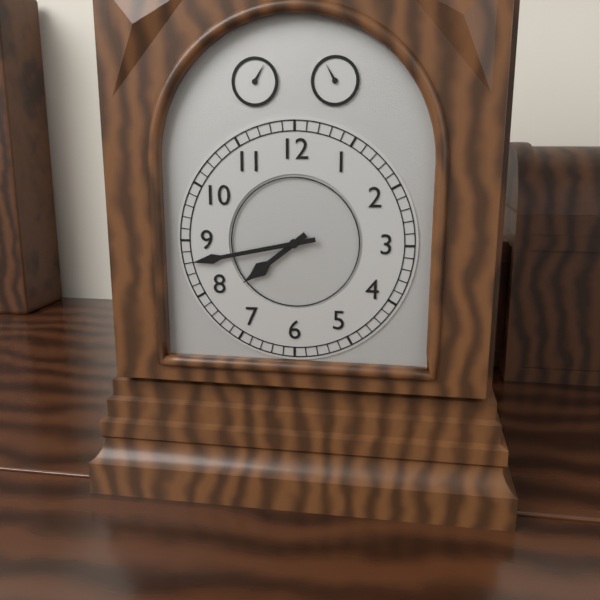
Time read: 7:43
